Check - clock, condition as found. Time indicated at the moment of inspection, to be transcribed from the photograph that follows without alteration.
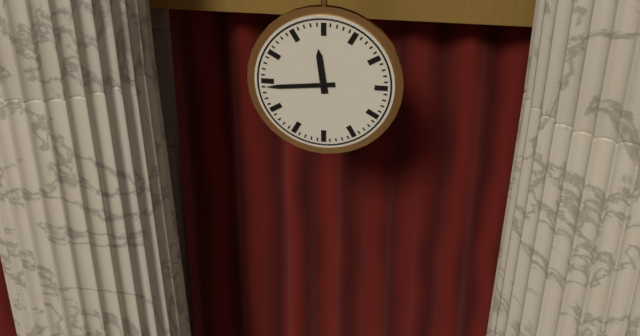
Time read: 11:44
